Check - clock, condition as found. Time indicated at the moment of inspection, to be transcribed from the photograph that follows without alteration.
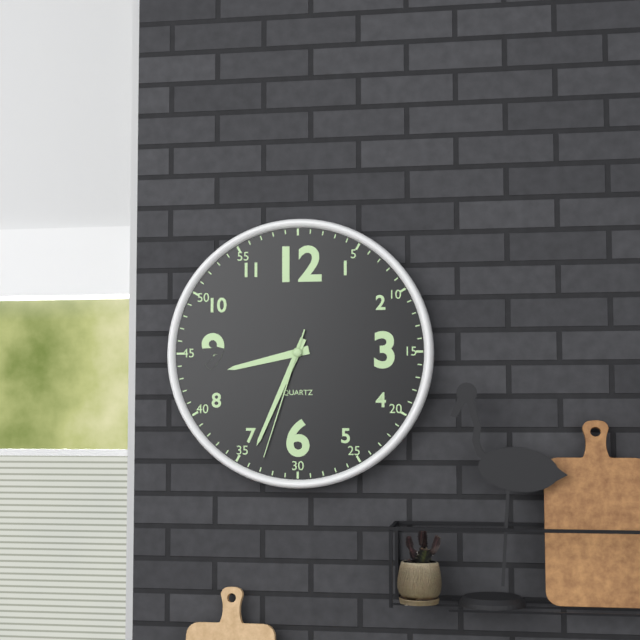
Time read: 8:34:33
